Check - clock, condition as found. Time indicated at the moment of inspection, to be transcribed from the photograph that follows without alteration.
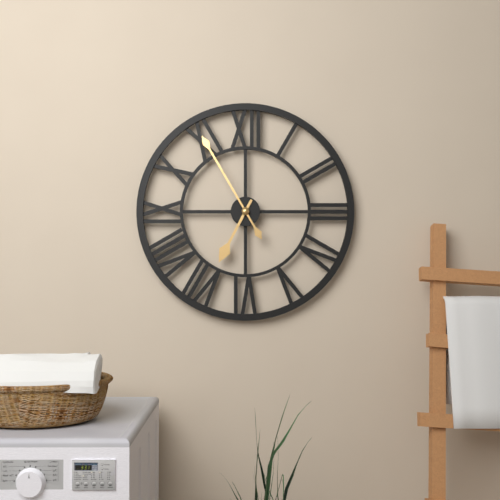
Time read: 6:55
